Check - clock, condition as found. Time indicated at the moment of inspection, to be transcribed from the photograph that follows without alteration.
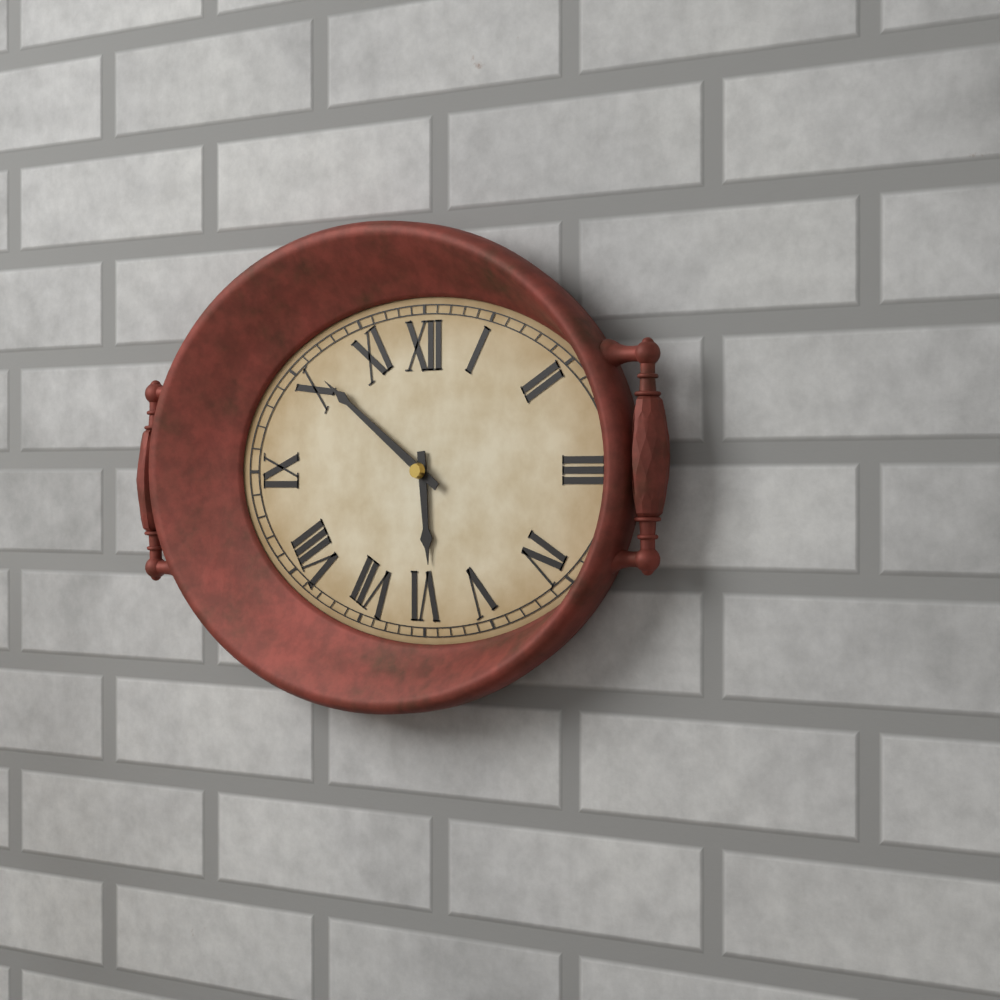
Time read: 5:51
